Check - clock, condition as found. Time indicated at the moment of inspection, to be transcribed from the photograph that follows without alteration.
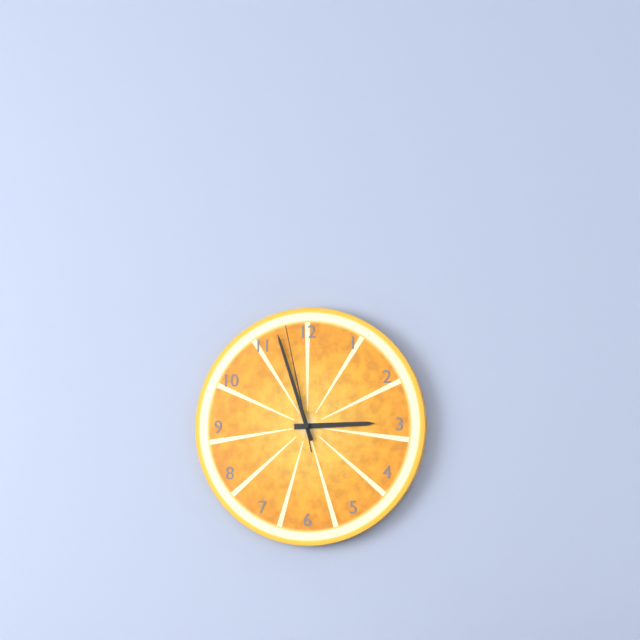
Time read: 2:57:58
